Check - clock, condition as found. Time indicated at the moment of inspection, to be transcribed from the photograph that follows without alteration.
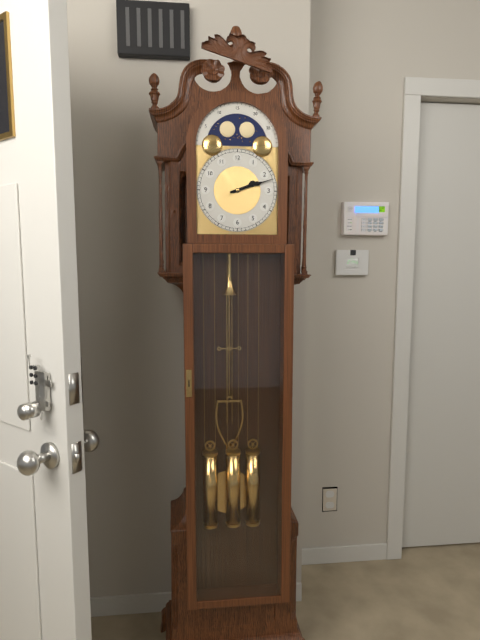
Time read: 2:12
